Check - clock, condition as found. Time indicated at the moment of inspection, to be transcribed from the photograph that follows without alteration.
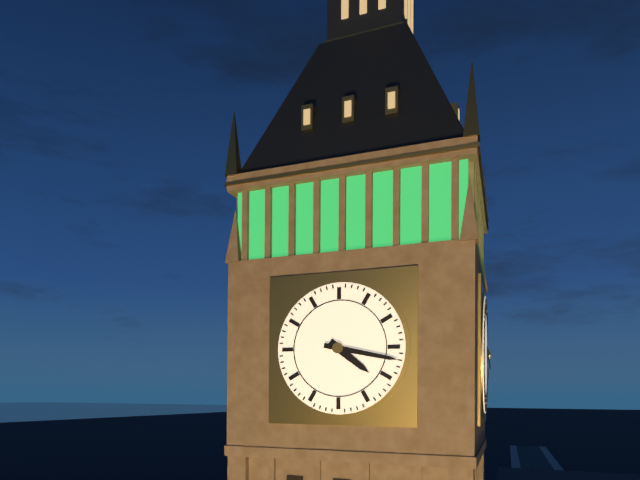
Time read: 4:17
